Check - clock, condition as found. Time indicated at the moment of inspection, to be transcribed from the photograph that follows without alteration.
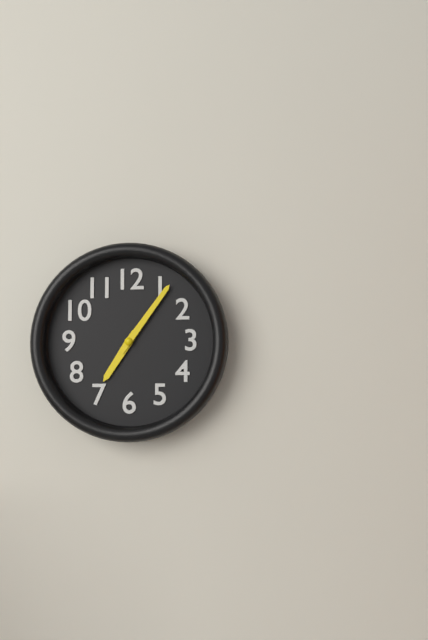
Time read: 7:06
